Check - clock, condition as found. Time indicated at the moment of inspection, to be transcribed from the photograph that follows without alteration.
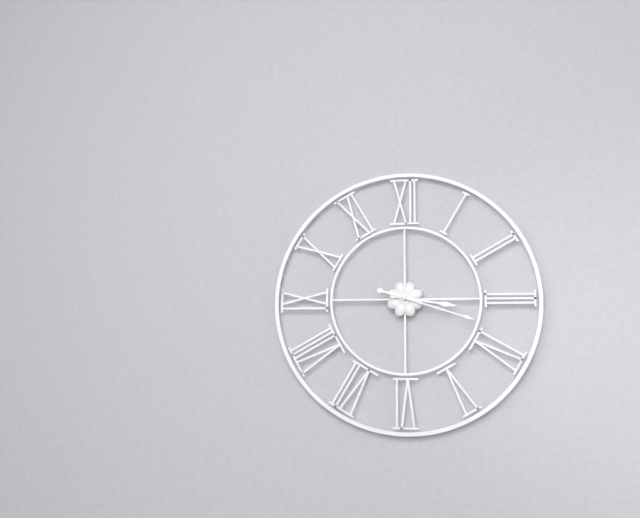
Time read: 3:18
